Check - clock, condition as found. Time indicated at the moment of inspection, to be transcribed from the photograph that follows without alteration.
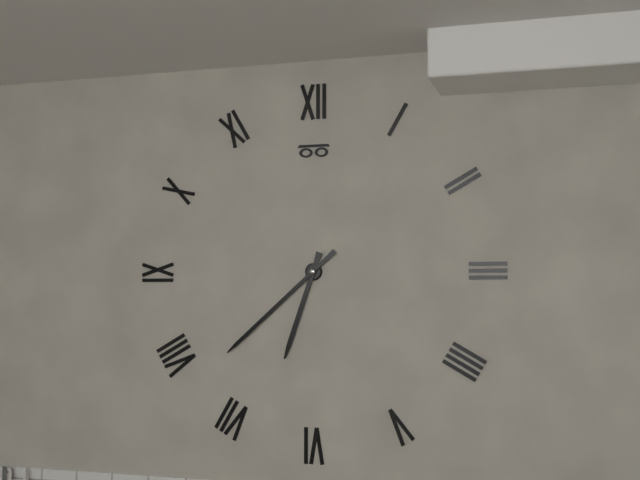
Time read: 6:38
